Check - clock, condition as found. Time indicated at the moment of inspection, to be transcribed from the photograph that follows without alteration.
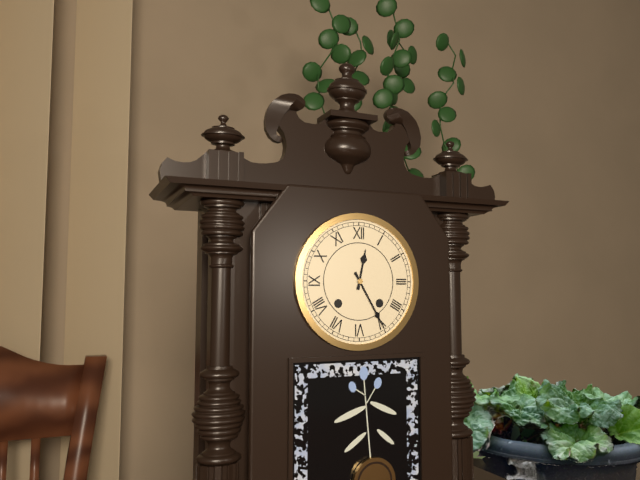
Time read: 12:25
